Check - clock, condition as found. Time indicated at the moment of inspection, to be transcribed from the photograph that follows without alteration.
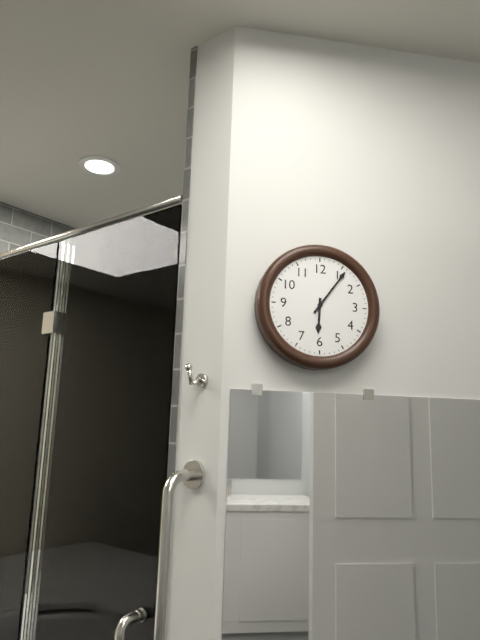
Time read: 6:06
